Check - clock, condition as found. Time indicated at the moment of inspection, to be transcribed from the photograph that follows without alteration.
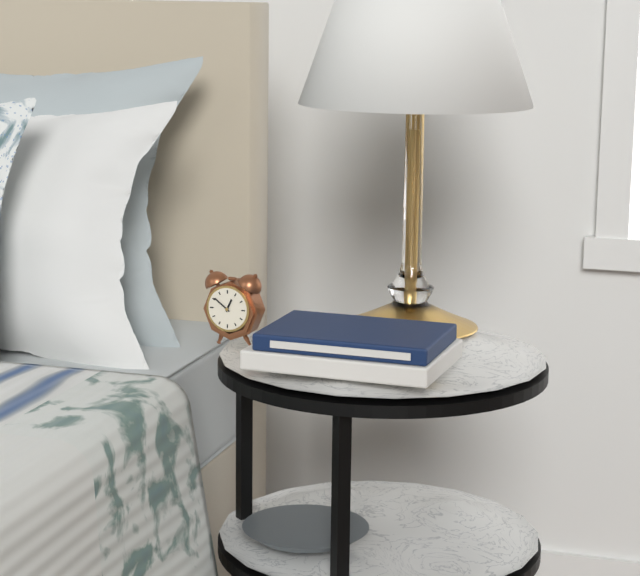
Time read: 12:51
